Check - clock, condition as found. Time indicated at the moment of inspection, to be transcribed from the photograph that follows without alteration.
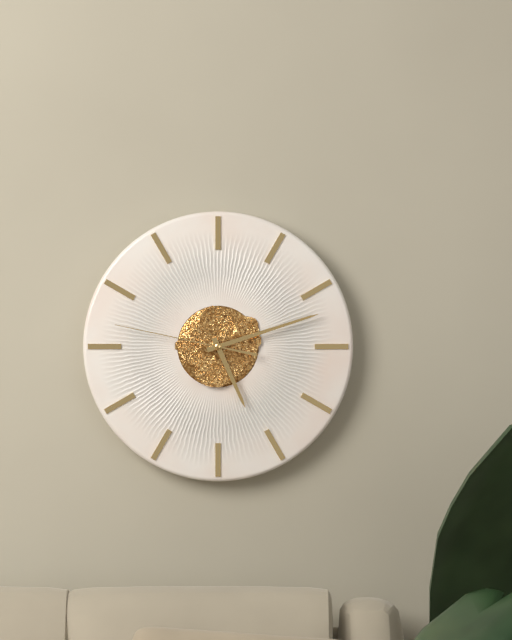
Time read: 5:12:47
